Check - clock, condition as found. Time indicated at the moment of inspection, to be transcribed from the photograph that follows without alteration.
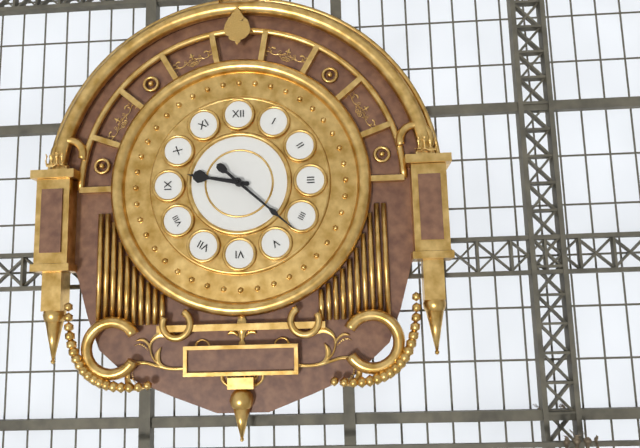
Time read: 9:22
